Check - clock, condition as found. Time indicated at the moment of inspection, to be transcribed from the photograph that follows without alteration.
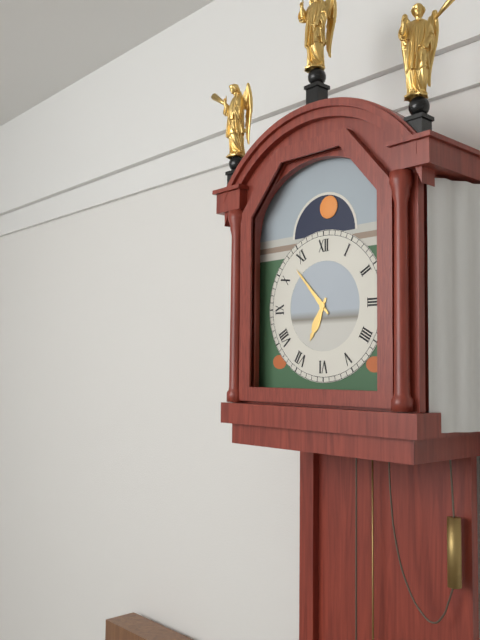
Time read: 6:53
